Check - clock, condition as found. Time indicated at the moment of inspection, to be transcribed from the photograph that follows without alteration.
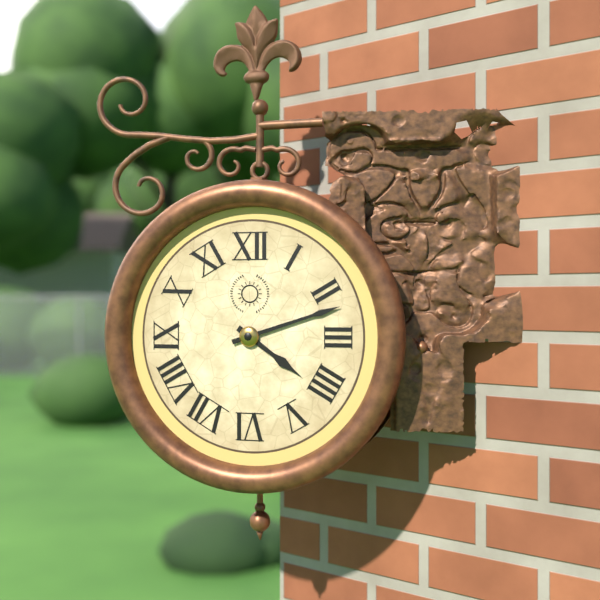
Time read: 4:12
